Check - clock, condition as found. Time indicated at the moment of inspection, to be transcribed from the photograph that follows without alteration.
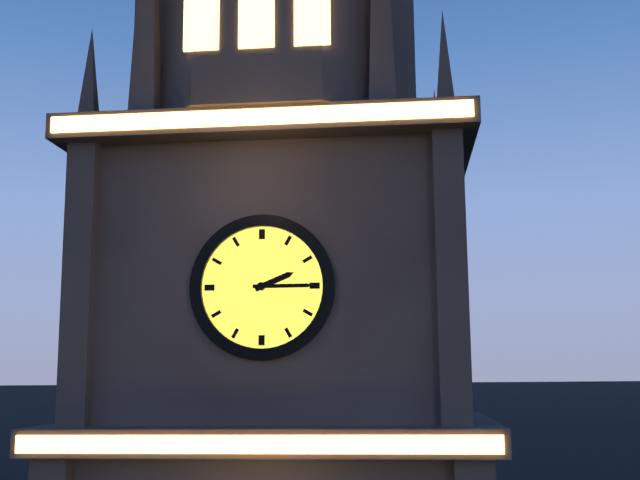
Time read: 2:15
